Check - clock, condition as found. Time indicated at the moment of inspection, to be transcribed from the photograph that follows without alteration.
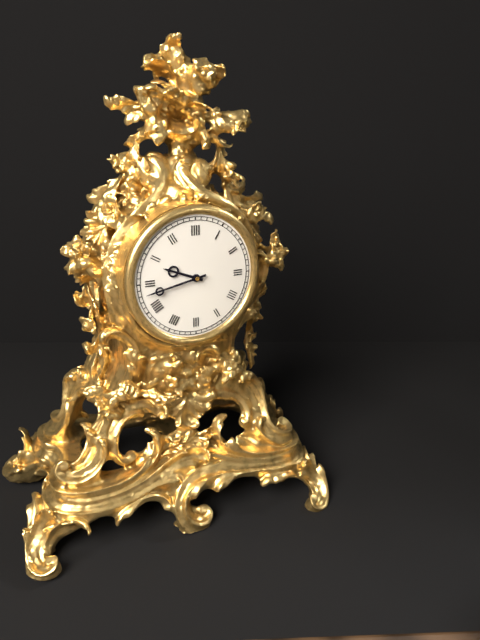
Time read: 9:43
